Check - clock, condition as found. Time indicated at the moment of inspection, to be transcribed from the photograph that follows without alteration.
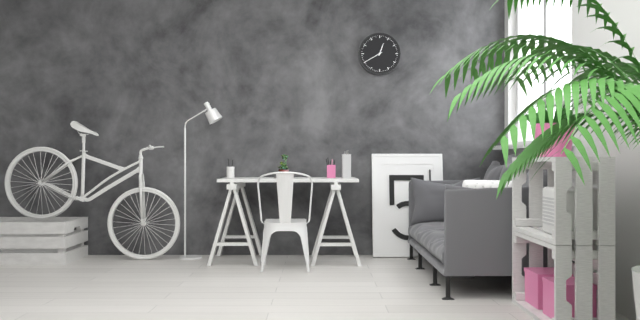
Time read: 12:40
